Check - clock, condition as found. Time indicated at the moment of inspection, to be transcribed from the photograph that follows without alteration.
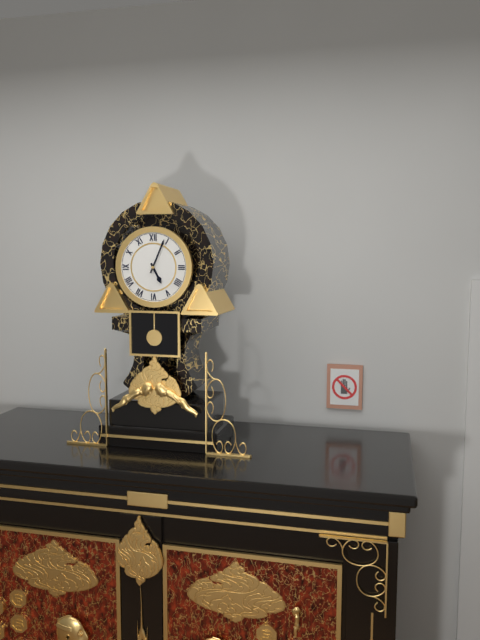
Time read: 5:04
